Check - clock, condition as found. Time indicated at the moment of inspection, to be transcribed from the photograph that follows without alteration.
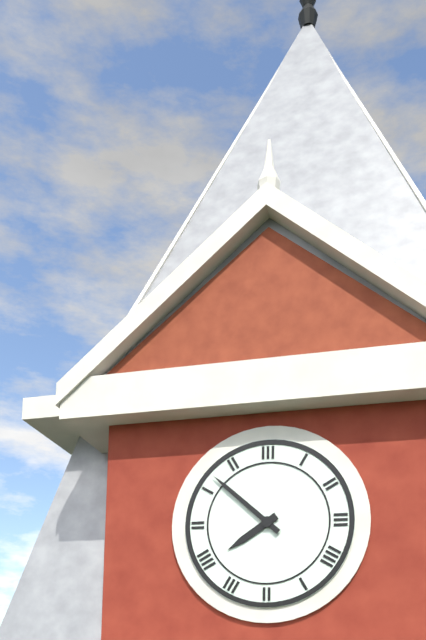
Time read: 7:52
